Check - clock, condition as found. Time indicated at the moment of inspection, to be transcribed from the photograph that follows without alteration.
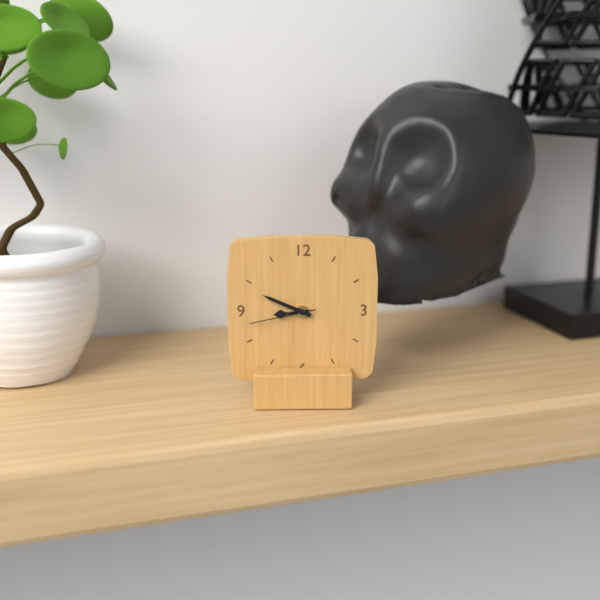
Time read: 8:49:43
